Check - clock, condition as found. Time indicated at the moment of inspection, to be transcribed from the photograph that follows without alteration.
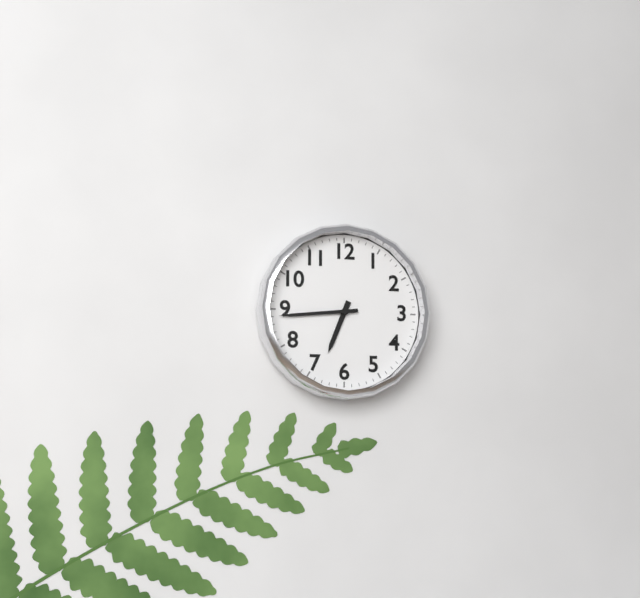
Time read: 6:44
